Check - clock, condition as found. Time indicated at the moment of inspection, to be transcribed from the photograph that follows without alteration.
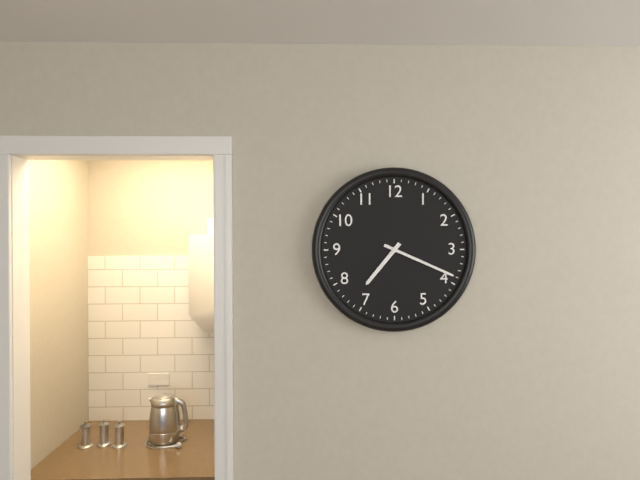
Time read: 7:19
